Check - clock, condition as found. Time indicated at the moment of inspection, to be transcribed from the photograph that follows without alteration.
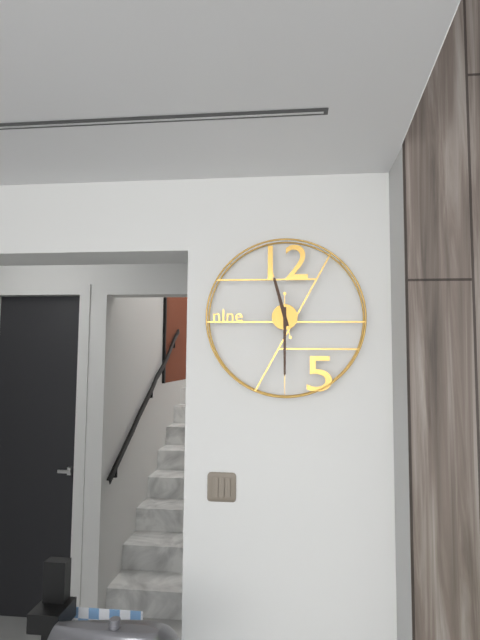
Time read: 11:30
